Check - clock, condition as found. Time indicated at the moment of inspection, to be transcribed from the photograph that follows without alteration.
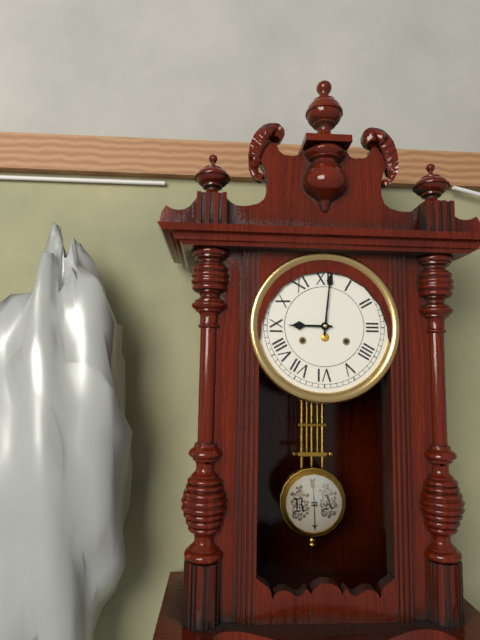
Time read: 9:01
